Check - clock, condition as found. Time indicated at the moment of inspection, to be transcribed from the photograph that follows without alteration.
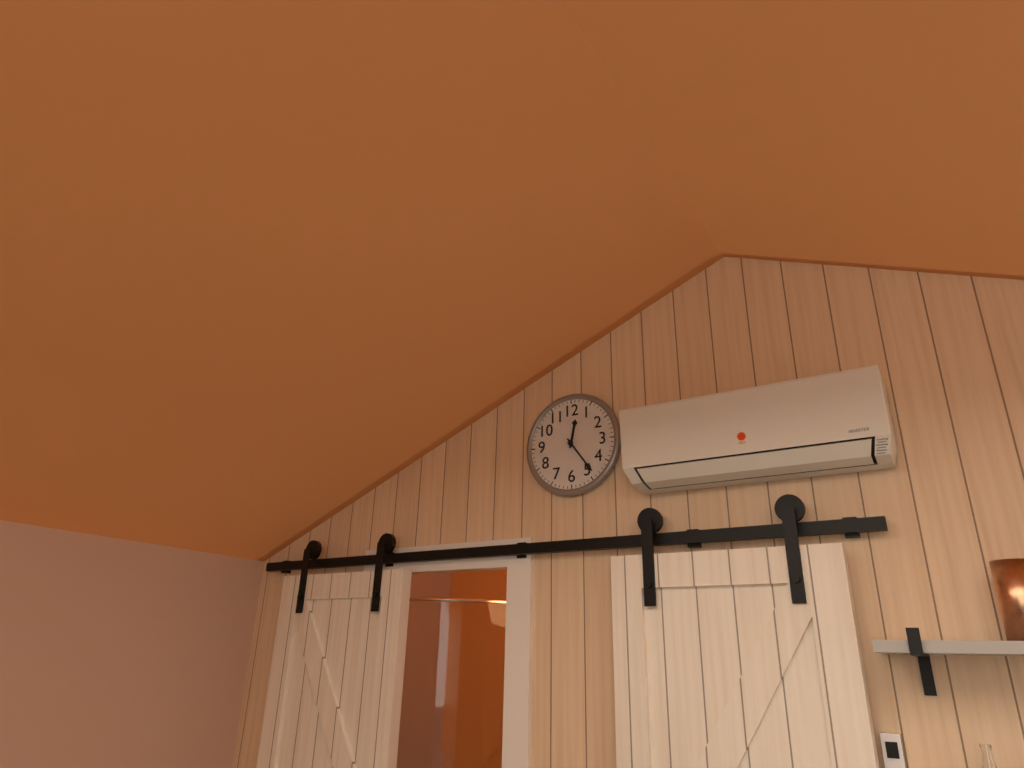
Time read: 12:24
